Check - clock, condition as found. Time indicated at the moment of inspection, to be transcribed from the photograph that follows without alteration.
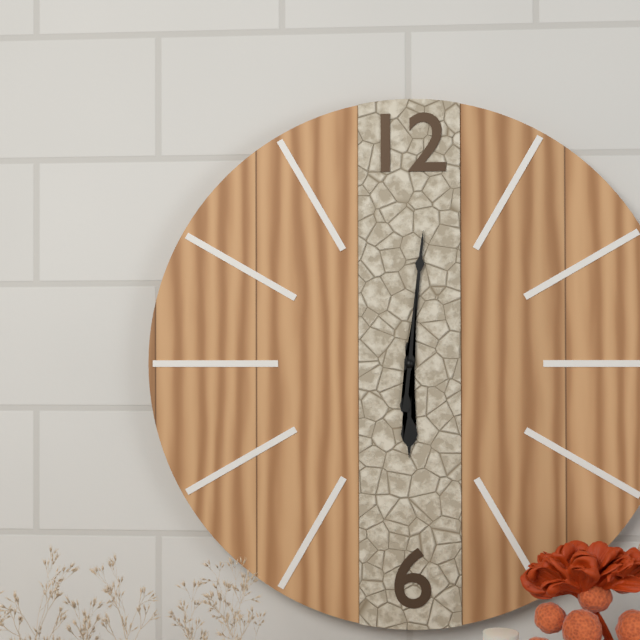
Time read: 6:01
